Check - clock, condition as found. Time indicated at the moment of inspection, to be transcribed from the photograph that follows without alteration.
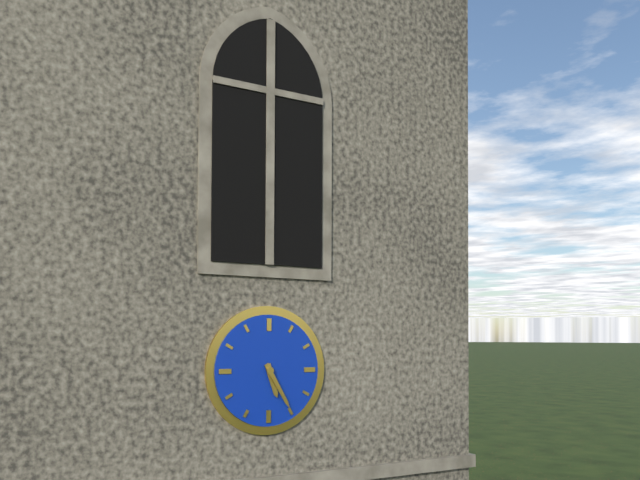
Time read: 5:25
